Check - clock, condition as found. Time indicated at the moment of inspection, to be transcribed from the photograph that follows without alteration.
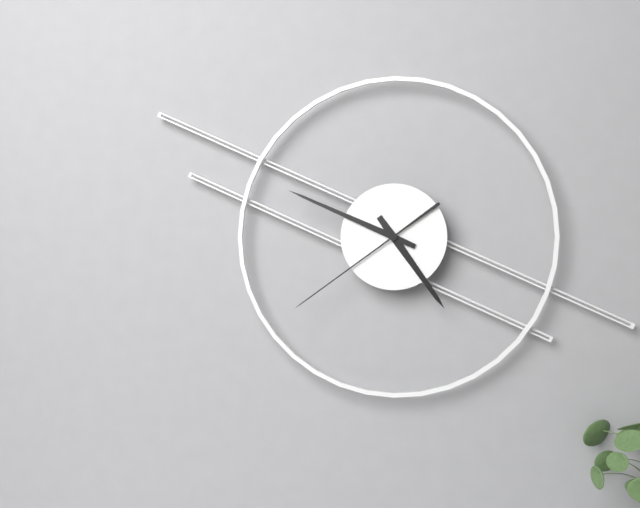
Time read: 4:49:39
